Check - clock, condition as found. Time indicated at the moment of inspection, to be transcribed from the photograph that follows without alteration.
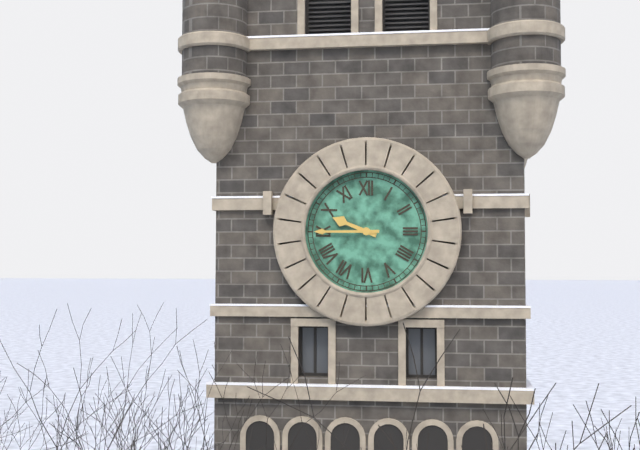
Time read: 9:45
